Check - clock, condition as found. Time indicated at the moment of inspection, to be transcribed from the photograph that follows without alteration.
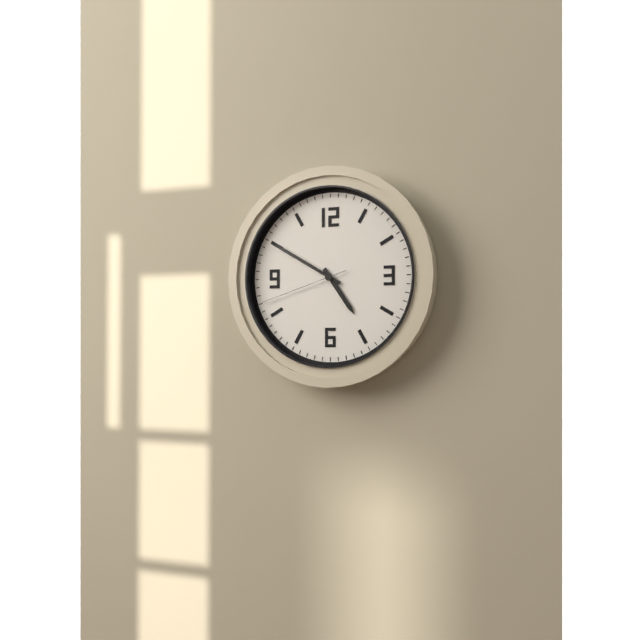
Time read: 4:50:42
